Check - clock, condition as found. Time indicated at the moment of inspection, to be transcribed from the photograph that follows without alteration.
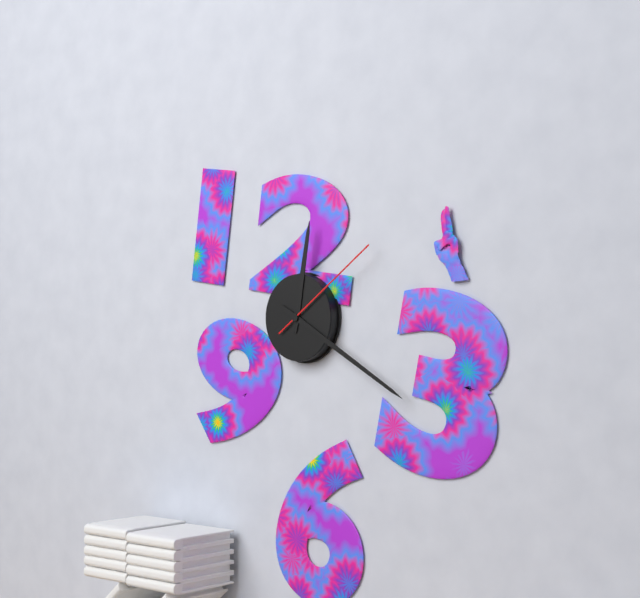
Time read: 12:20:09
